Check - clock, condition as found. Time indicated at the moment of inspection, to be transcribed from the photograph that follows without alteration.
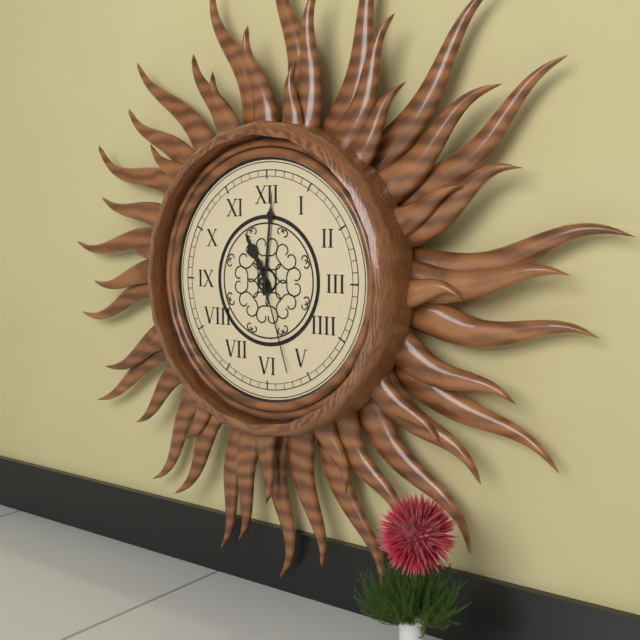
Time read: 11:01:27
